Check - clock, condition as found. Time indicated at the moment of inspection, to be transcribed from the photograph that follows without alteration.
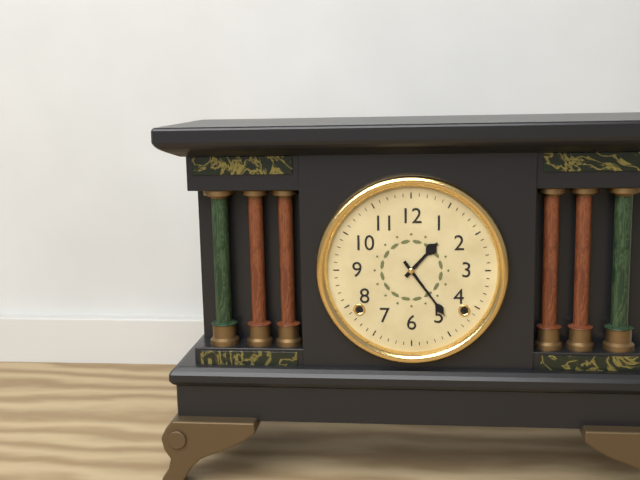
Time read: 1:24
